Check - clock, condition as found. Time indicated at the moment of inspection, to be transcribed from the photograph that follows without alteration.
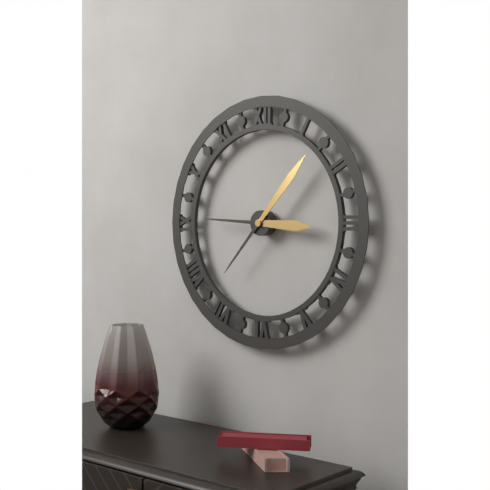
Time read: 3:07
